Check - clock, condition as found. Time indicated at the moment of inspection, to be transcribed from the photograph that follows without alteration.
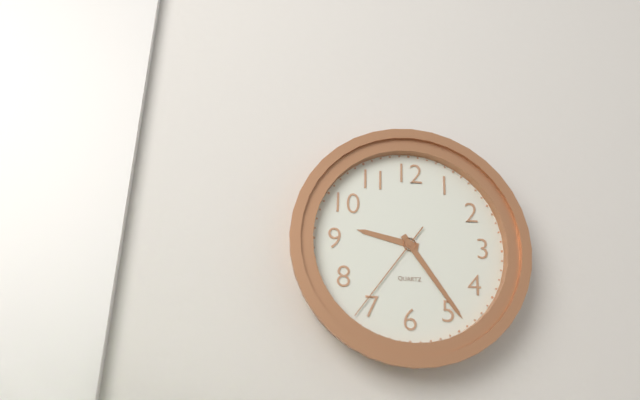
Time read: 9:24:36
